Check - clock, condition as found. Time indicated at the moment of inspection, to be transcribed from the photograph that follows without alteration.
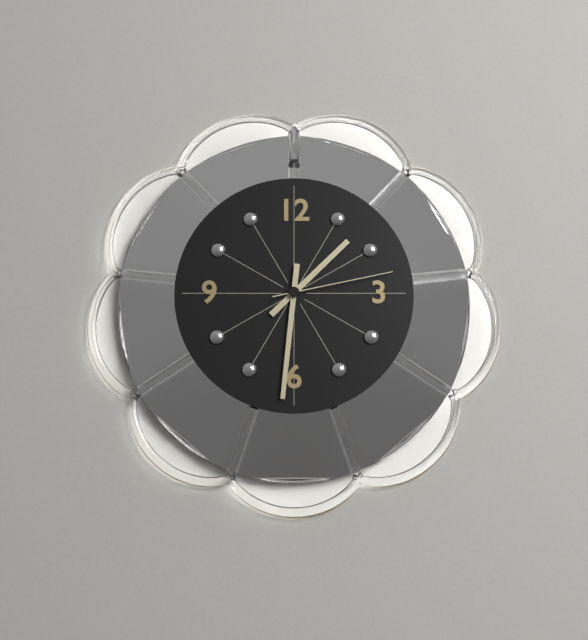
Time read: 1:31:13
